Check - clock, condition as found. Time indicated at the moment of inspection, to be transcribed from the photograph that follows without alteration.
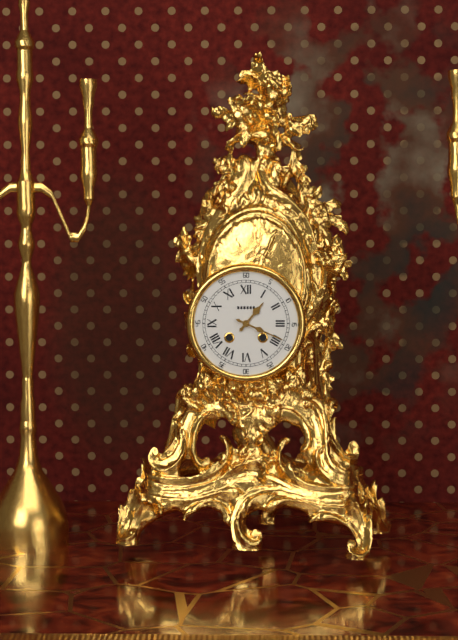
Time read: 1:19
